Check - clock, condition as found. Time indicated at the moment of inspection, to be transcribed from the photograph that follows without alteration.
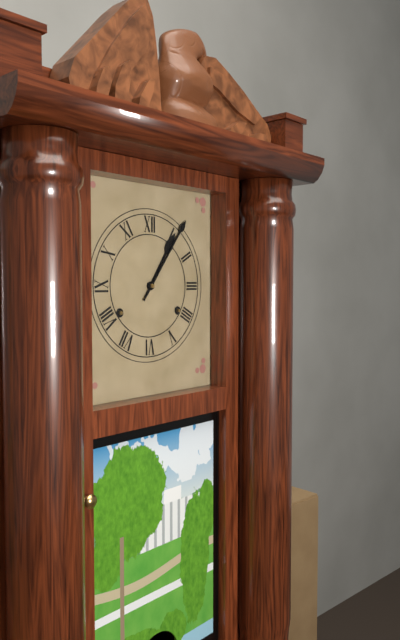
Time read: 1:06
